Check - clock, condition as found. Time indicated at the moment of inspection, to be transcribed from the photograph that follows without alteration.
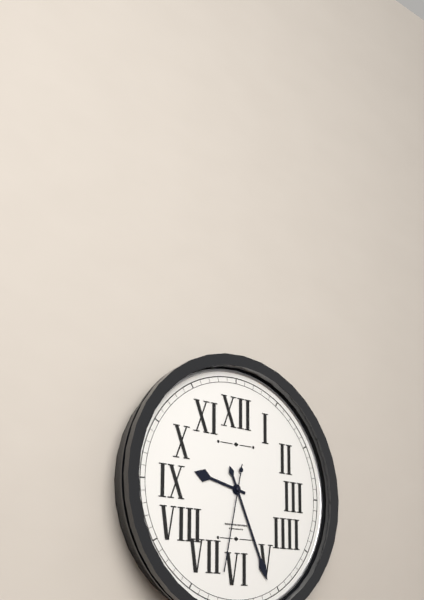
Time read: 9:26:32
